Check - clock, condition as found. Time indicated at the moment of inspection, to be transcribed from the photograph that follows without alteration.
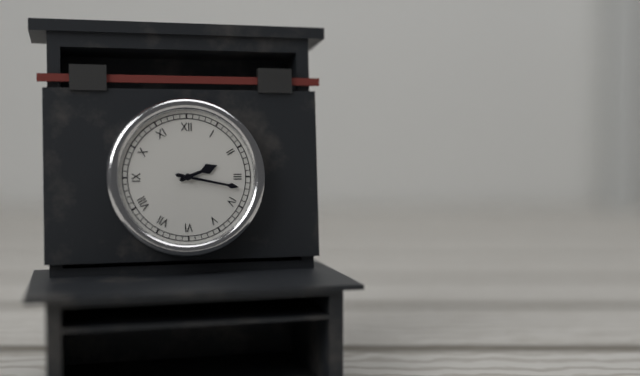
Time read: 2:17
